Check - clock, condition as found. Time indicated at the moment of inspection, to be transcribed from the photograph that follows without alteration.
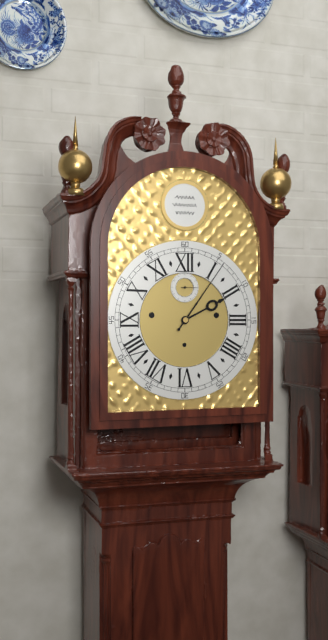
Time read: 2:06
